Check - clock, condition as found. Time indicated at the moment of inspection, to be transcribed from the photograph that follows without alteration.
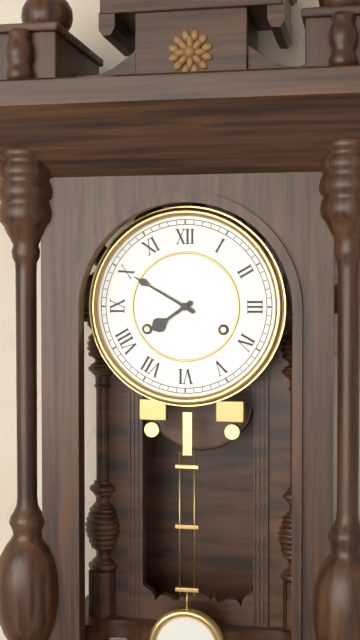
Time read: 7:50
